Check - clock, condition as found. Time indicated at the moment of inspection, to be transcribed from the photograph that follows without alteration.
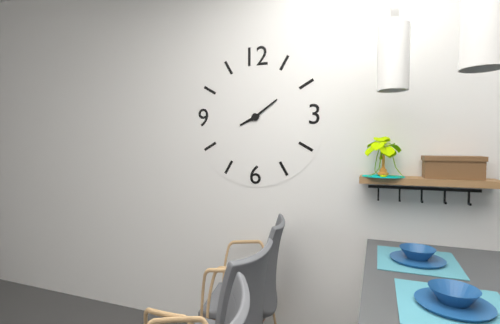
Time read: 8:09
